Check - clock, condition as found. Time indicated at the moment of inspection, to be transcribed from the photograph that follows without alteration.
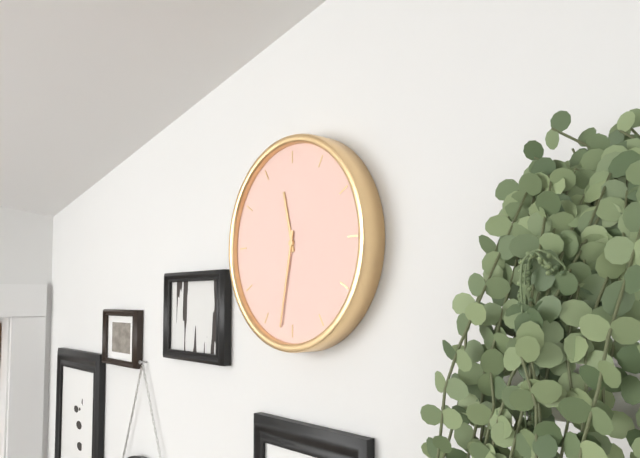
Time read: 11:32
